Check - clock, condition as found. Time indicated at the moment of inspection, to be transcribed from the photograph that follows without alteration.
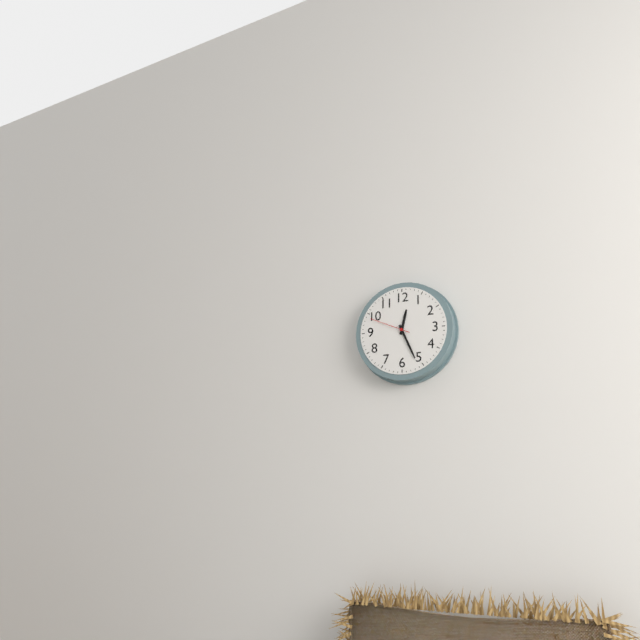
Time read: 12:26
